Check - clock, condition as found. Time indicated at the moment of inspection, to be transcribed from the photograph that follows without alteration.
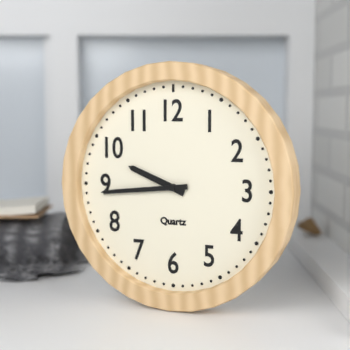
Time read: 9:44
